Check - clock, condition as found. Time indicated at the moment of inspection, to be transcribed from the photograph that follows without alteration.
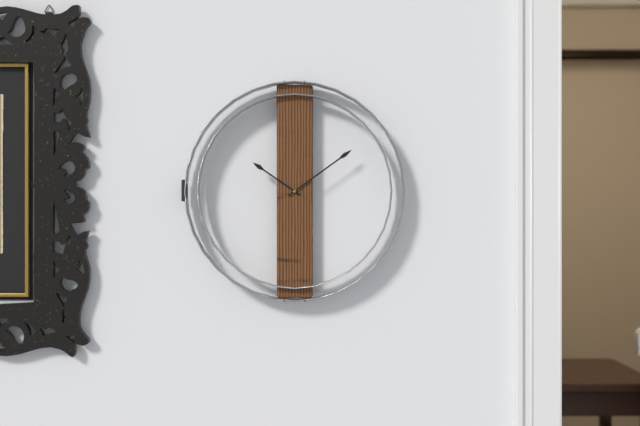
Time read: 10:09
